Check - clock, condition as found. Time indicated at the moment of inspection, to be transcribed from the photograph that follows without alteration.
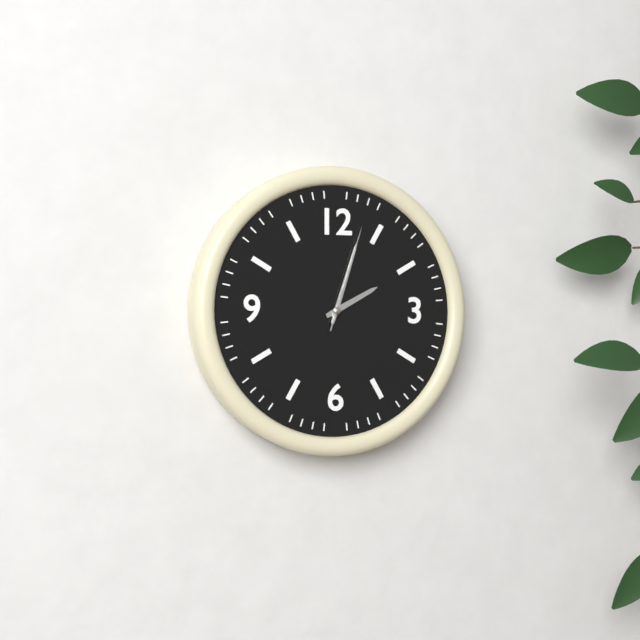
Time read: 2:03:03
